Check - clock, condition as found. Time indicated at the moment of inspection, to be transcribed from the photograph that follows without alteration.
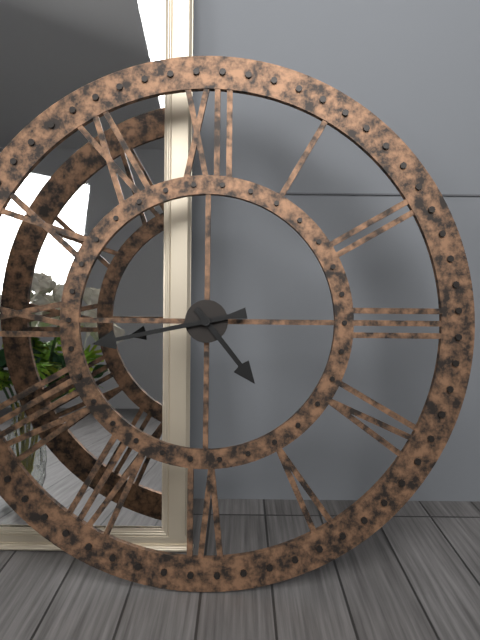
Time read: 4:43
